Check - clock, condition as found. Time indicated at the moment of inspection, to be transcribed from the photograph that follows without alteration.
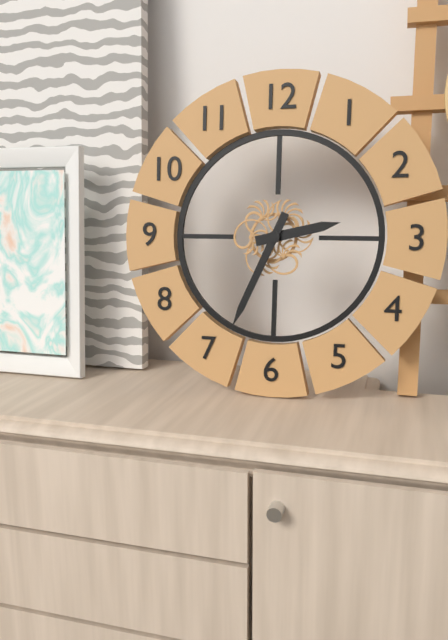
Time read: 2:34
